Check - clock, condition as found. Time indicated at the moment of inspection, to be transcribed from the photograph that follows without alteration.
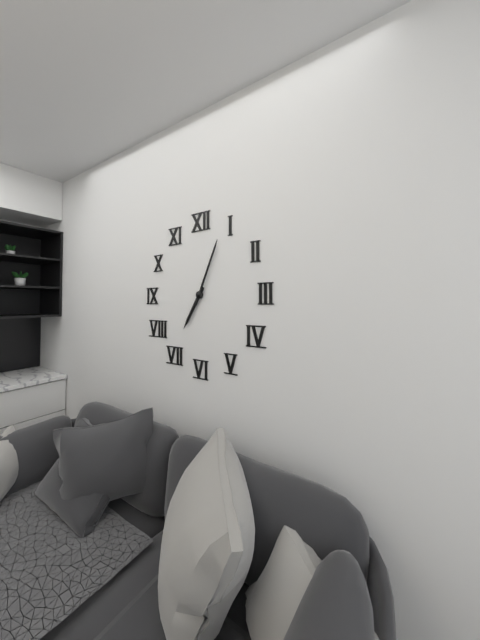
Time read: 7:04
